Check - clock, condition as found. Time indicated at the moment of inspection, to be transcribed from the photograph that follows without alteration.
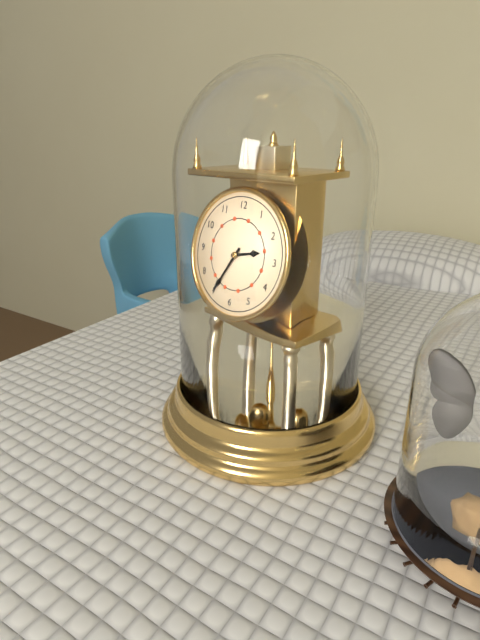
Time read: 2:35
